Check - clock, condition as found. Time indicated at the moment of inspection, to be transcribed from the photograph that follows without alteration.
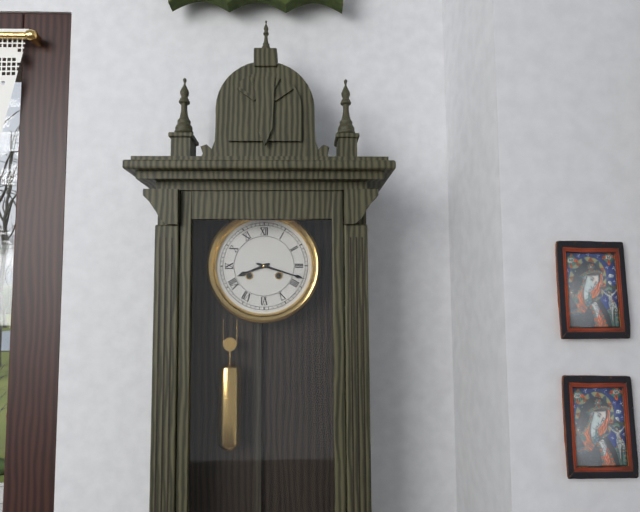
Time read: 8:18
